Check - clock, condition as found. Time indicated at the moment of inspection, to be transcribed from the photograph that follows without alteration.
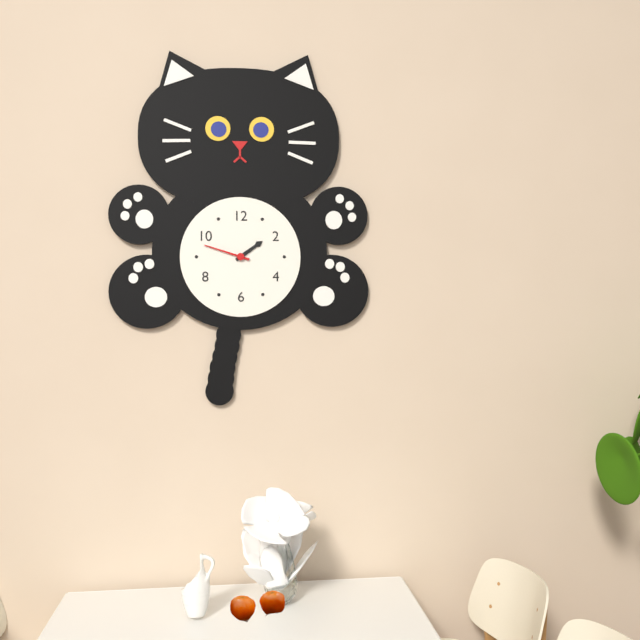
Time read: 1:48
